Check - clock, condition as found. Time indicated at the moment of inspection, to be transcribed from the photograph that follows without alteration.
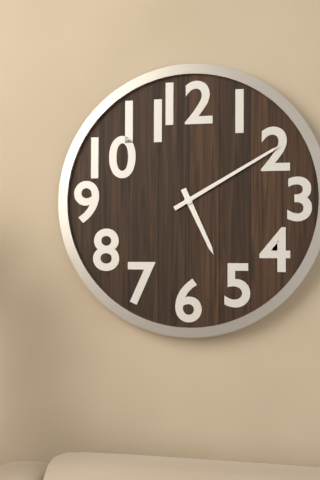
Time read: 5:10
